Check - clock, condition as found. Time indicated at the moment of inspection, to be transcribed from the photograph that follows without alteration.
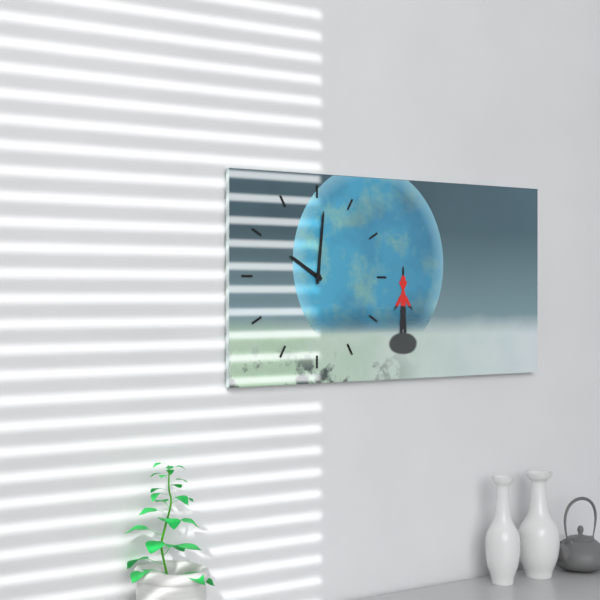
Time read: 10:01
